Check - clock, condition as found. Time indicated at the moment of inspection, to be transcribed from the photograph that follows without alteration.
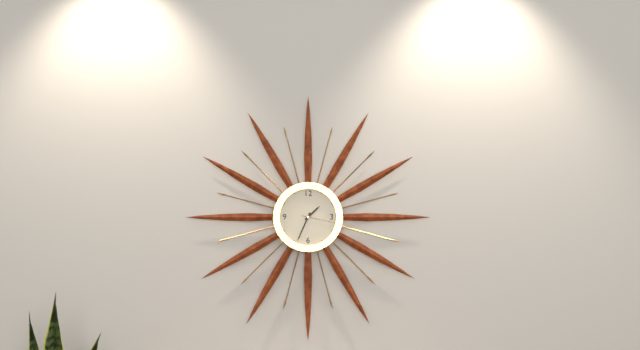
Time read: 1:34
